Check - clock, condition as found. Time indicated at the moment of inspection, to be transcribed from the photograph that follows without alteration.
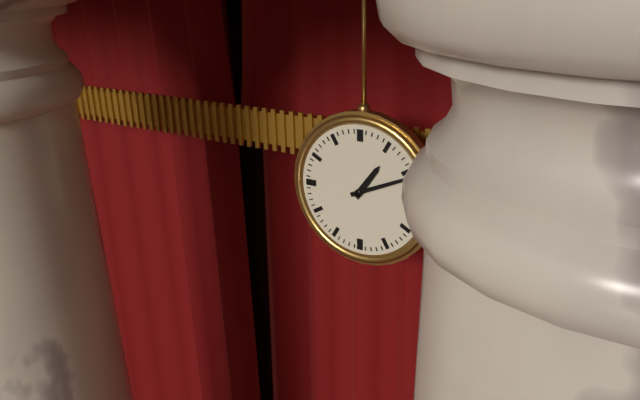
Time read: 1:11
